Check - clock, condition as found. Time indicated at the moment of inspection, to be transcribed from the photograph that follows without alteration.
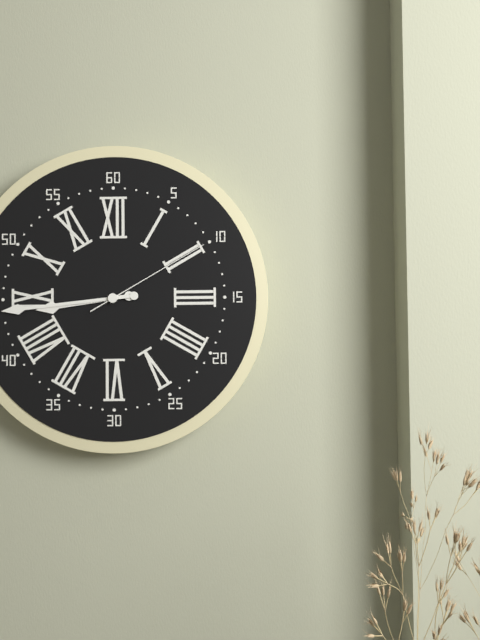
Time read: 8:44:10
